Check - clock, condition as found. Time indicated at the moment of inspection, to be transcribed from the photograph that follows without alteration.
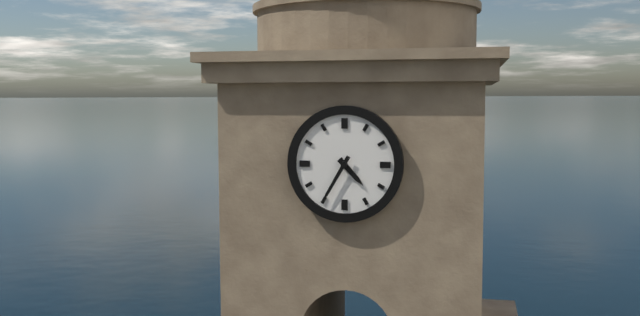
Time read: 4:35
